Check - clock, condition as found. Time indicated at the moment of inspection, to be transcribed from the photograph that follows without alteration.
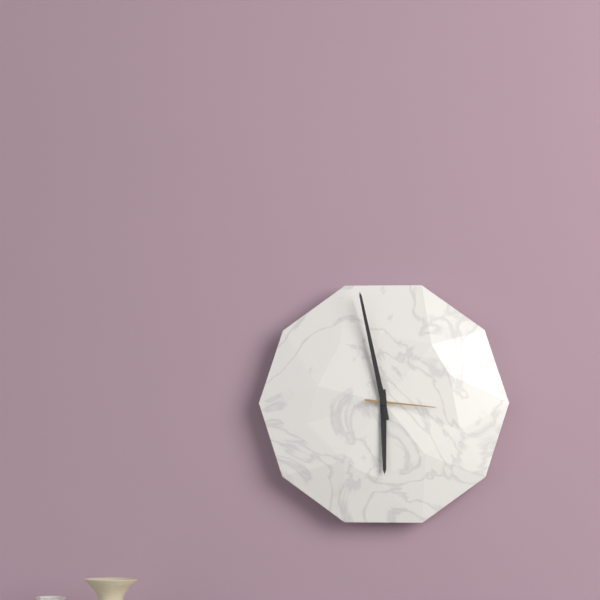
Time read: 5:58:16
